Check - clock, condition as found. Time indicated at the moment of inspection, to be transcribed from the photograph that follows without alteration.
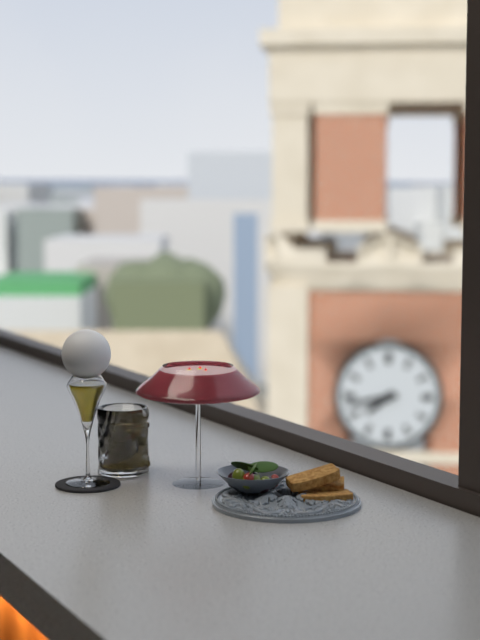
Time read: 7:43
